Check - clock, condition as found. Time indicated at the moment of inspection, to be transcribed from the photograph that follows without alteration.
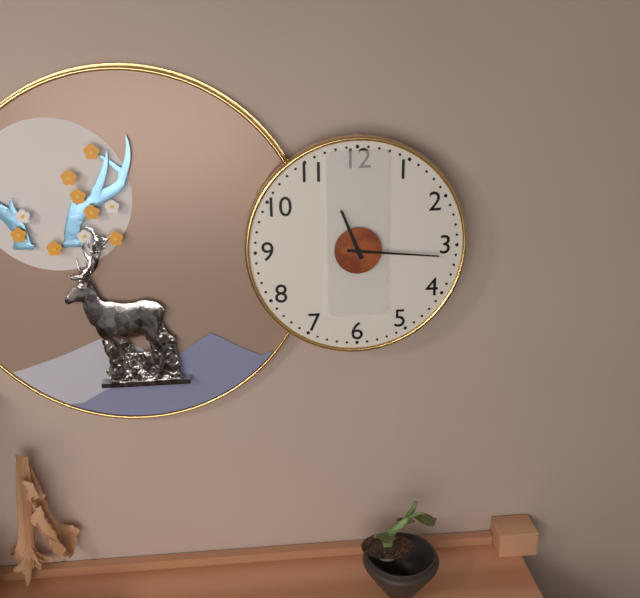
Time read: 11:16
